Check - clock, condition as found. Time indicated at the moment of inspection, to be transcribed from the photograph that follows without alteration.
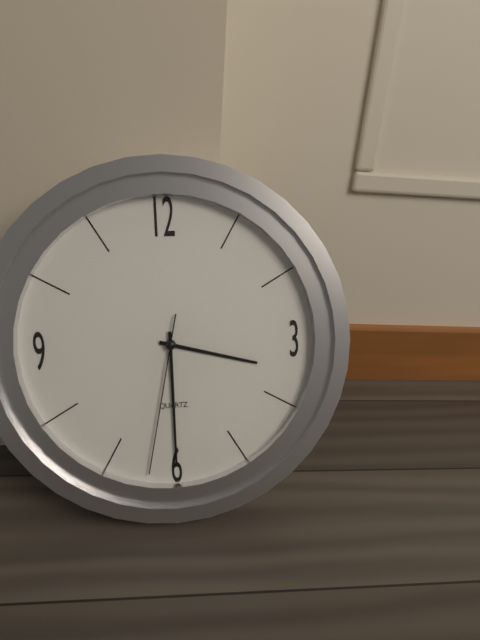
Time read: 3:30:32
